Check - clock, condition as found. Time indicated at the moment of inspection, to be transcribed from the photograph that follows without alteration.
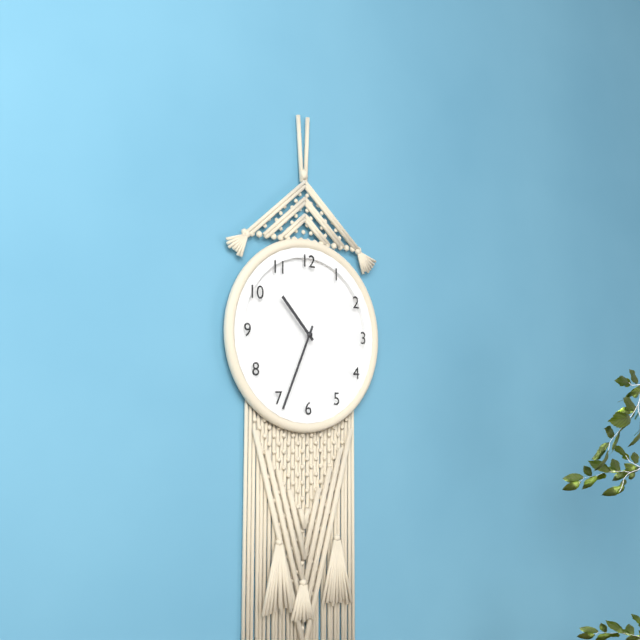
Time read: 10:34
